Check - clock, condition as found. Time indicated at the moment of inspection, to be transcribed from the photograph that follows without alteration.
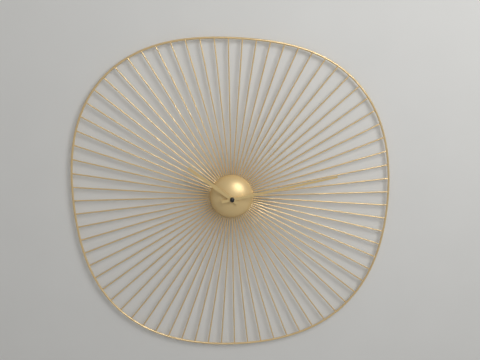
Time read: 10:13
